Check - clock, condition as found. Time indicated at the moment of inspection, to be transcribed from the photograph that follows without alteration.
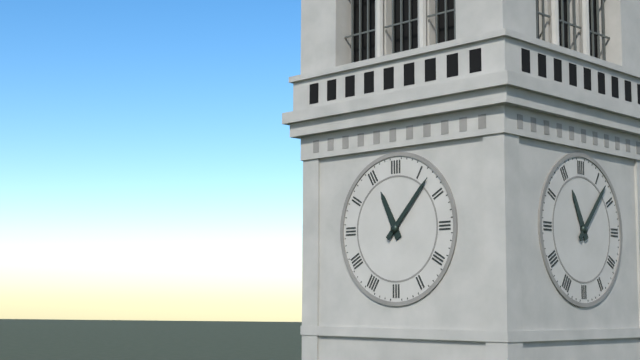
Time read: 11:07
